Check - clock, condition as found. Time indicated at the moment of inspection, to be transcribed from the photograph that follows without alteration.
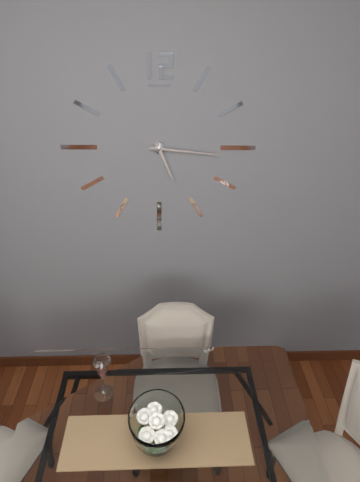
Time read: 5:16
